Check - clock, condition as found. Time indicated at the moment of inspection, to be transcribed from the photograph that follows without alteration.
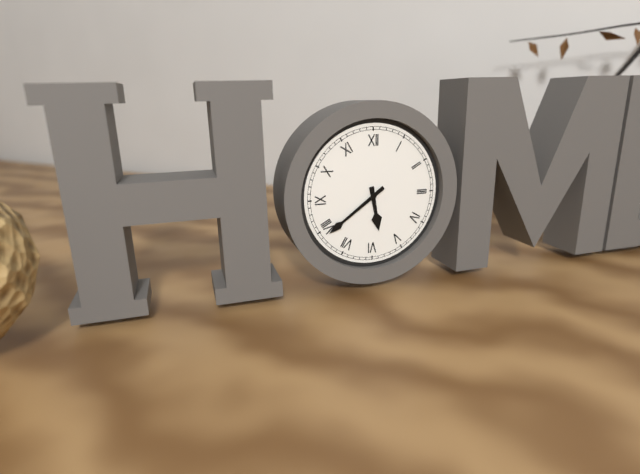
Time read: 5:39
